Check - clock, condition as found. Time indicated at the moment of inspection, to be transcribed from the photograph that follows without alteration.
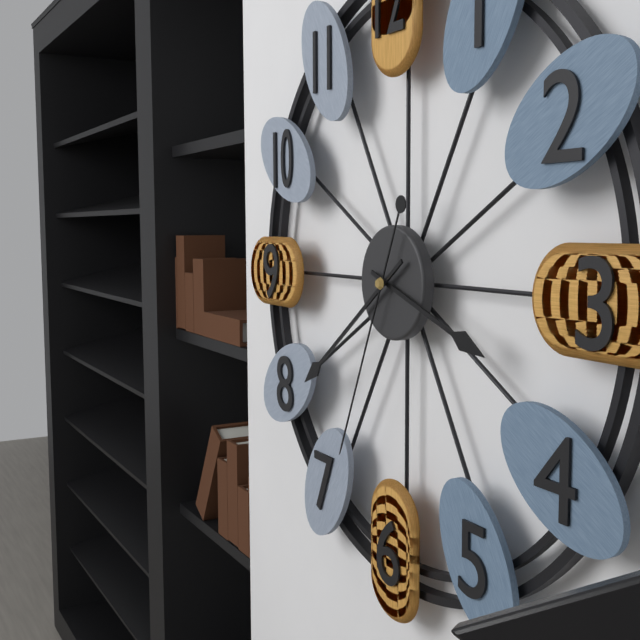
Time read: 3:39:34
